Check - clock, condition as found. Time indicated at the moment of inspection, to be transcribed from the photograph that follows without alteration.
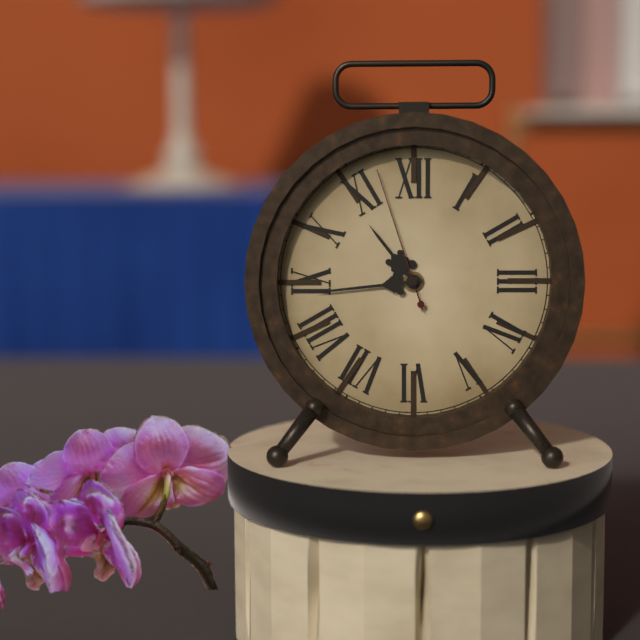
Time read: 10:44:57
